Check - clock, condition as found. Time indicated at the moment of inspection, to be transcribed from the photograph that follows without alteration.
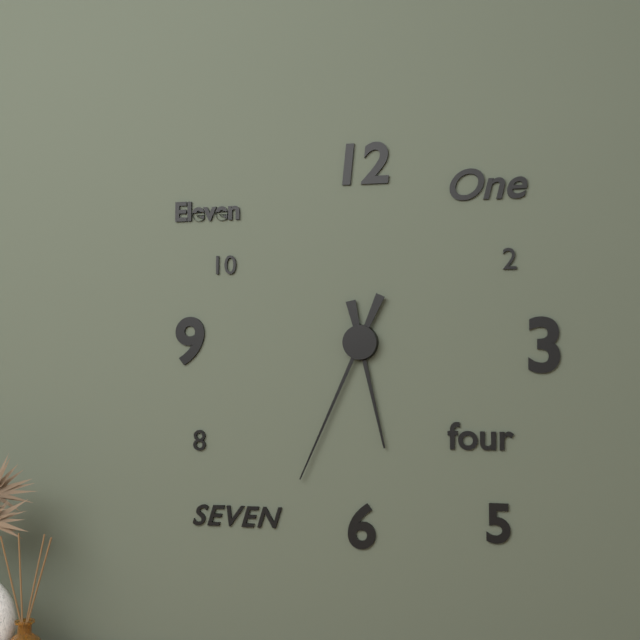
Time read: 5:34
